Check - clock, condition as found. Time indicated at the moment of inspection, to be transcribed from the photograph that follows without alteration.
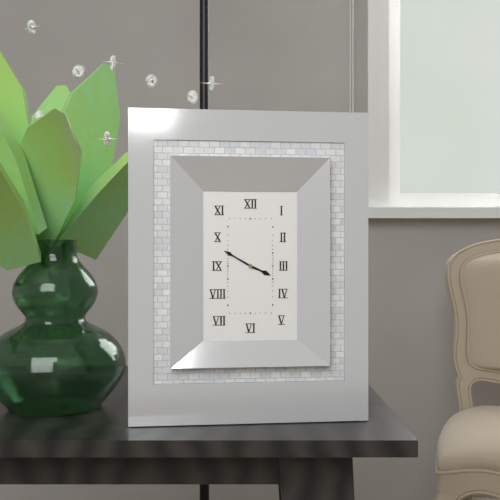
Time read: 3:50
